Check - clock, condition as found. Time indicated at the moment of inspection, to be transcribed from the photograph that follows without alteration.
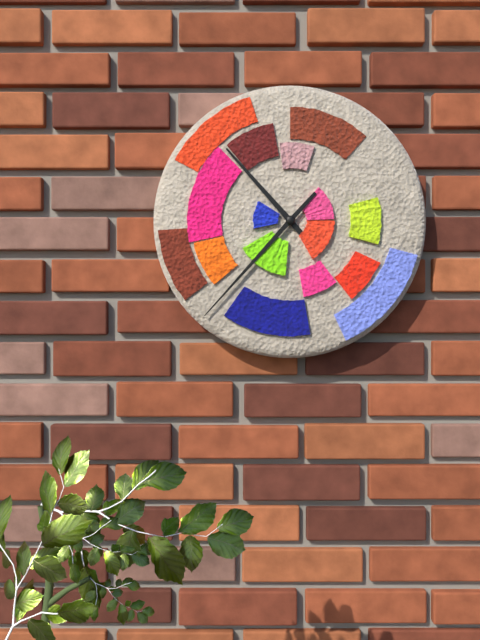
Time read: 10:37
